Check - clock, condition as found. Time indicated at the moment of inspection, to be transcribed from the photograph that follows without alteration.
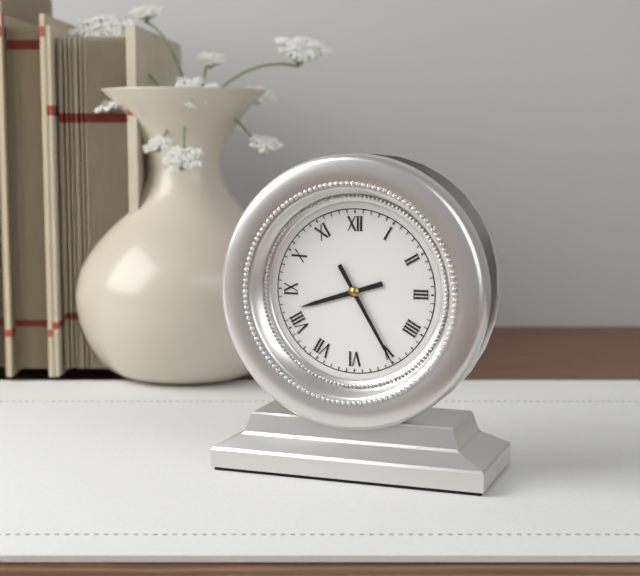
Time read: 8:25
